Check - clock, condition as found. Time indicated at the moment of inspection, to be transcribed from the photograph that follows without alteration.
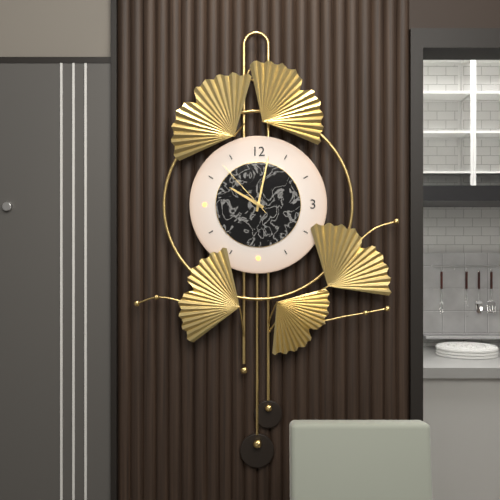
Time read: 10:02:53
